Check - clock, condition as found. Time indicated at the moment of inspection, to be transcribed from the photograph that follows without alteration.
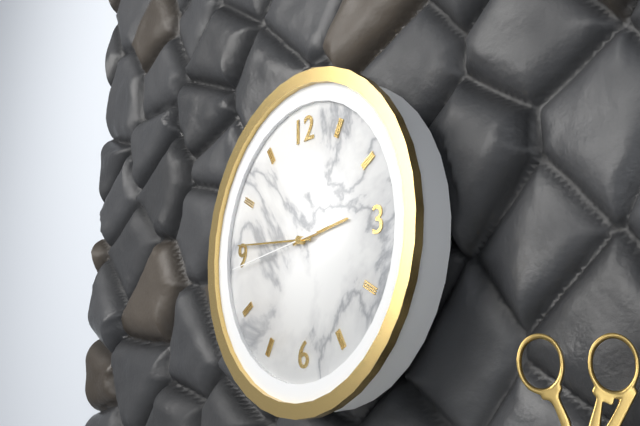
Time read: 2:46:44
